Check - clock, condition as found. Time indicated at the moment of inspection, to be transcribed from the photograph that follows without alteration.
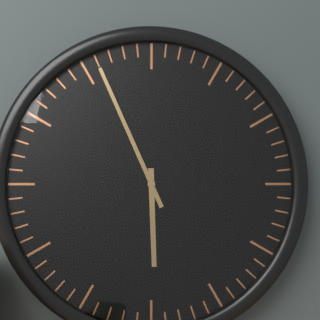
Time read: 5:56
